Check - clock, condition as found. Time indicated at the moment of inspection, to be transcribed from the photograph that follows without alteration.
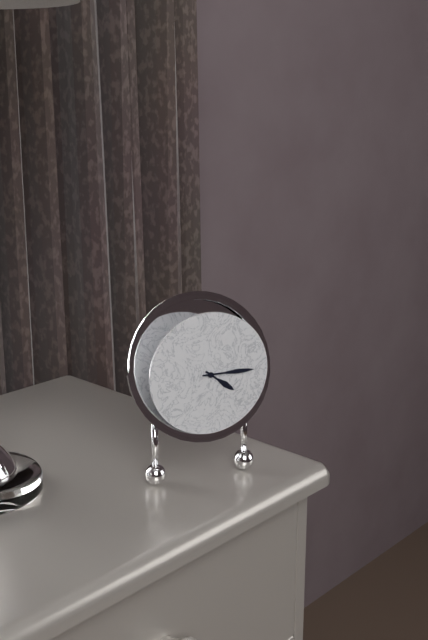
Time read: 4:15
